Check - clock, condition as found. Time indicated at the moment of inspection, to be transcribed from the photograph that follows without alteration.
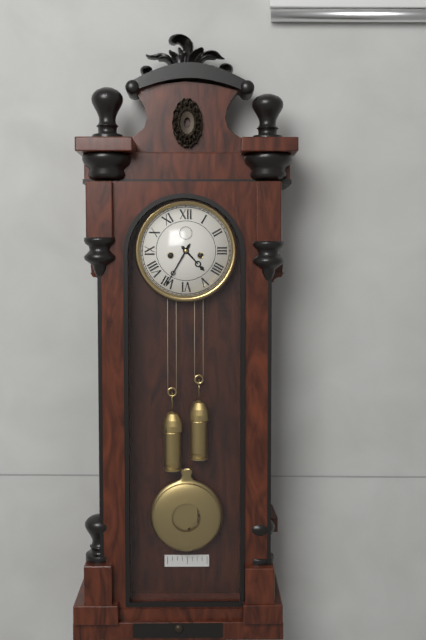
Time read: 4:35
